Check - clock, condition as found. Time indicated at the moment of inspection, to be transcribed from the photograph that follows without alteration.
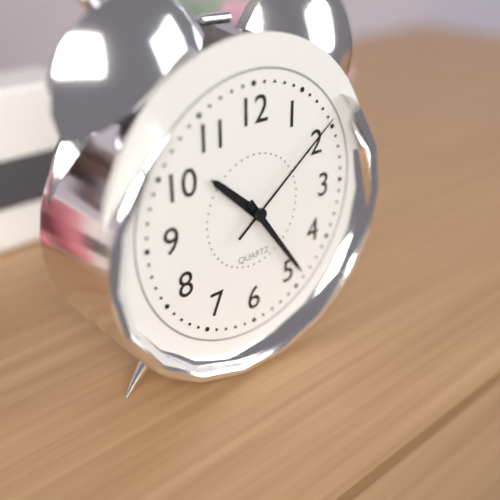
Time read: 10:24:09
